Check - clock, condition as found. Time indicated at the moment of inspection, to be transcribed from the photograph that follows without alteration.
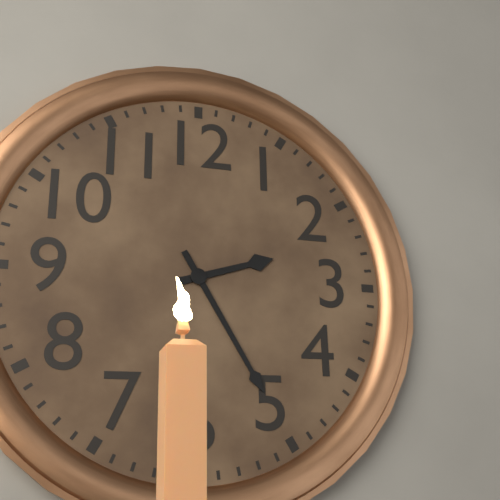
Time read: 2:25
